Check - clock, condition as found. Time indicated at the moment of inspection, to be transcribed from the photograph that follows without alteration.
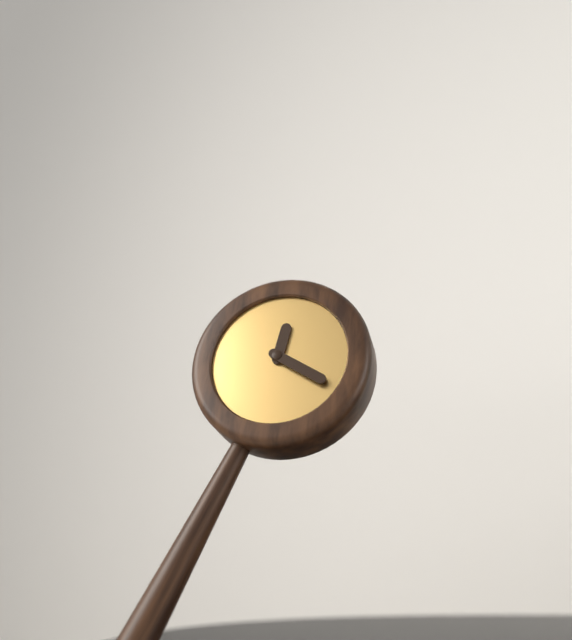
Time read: 12:20
